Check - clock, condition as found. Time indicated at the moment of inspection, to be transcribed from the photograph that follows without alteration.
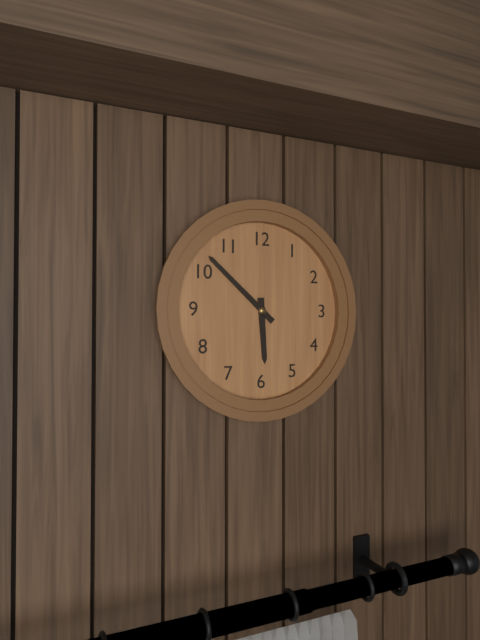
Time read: 5:52
